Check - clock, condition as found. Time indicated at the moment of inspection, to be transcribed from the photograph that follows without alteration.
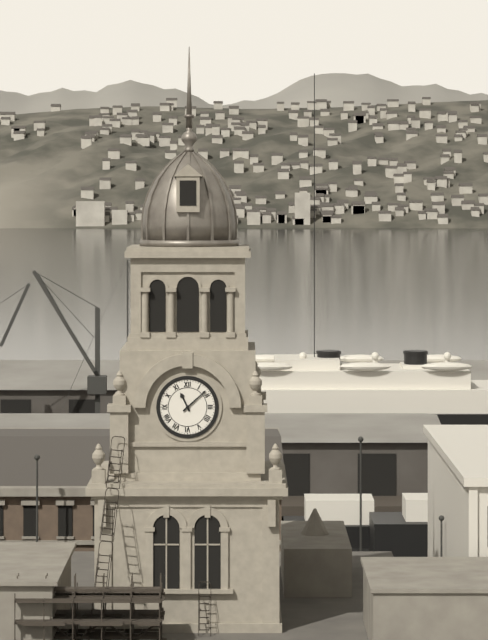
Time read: 11:08
